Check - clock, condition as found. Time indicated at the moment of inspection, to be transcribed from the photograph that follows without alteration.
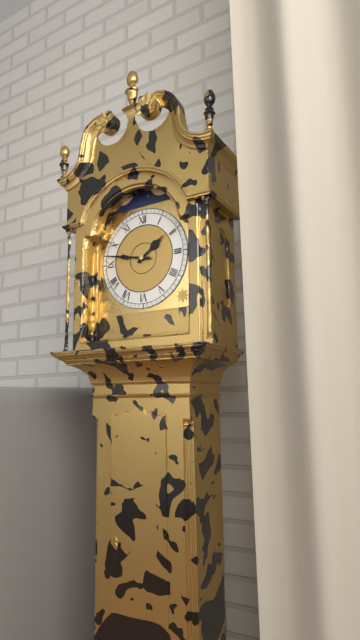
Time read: 1:47
